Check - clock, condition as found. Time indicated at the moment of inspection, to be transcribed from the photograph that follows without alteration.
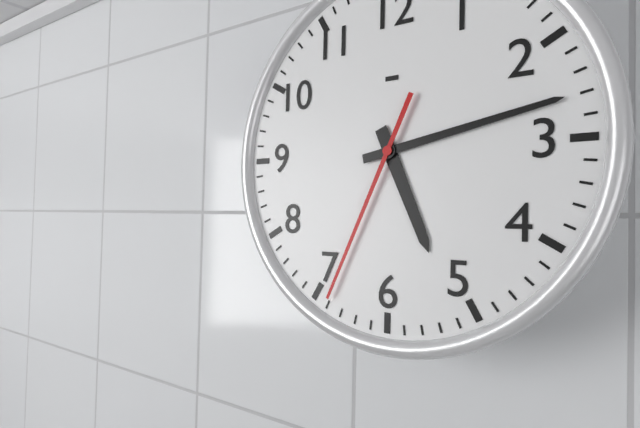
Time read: 5:13:34
